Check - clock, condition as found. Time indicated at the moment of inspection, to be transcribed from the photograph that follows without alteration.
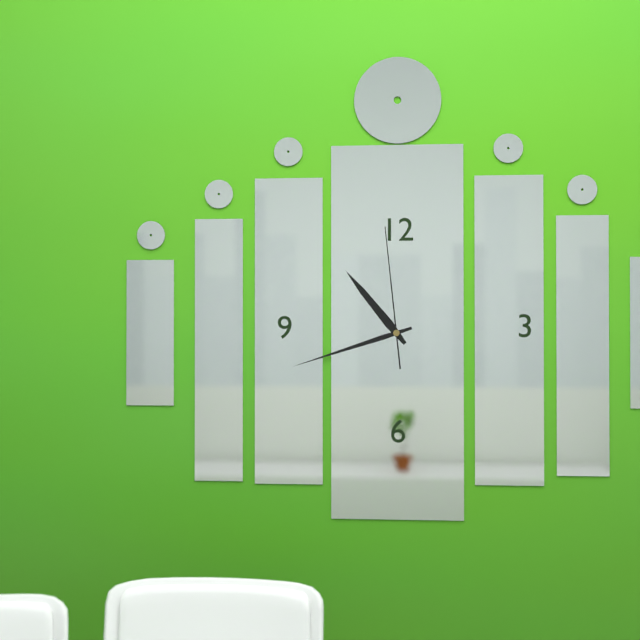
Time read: 10:42:59
